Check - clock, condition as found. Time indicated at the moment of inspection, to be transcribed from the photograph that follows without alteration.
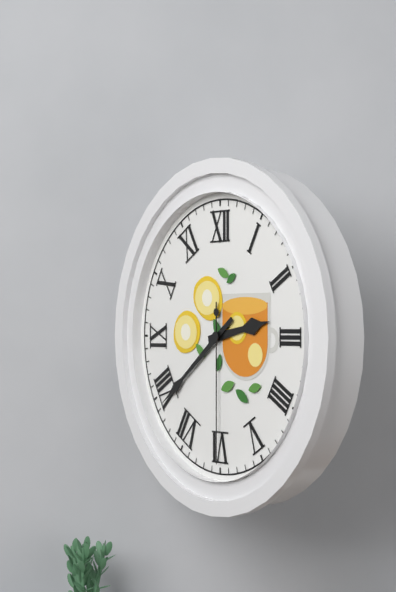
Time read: 2:39:30
